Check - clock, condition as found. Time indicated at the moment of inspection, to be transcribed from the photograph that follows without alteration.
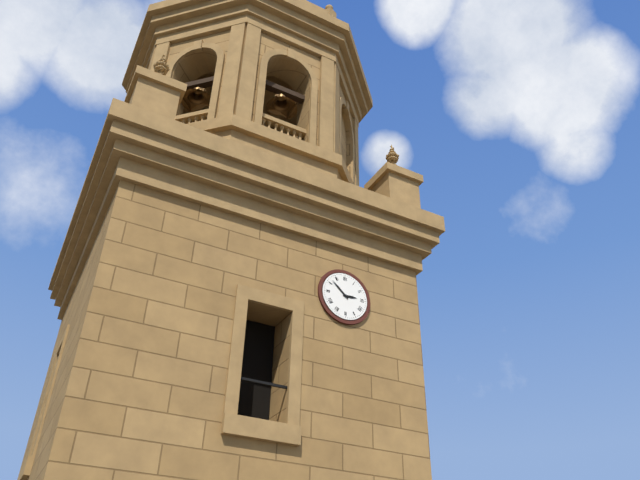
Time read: 2:52
